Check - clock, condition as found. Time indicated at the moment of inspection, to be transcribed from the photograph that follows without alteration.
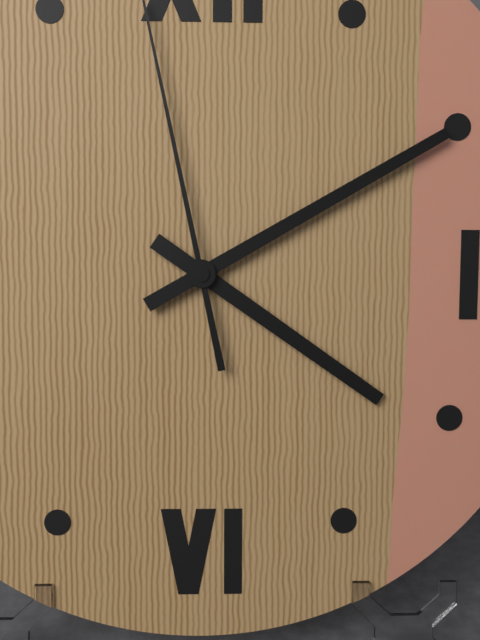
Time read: 4:10
